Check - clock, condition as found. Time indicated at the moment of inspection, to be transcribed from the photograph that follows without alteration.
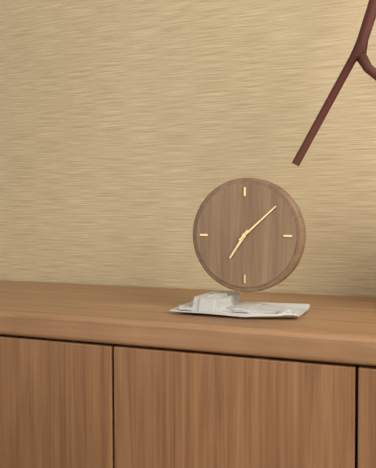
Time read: 7:08
